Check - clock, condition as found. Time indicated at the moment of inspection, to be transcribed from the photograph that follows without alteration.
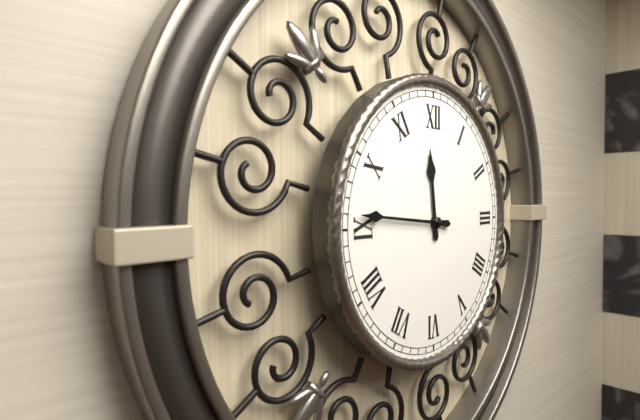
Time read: 11:46
